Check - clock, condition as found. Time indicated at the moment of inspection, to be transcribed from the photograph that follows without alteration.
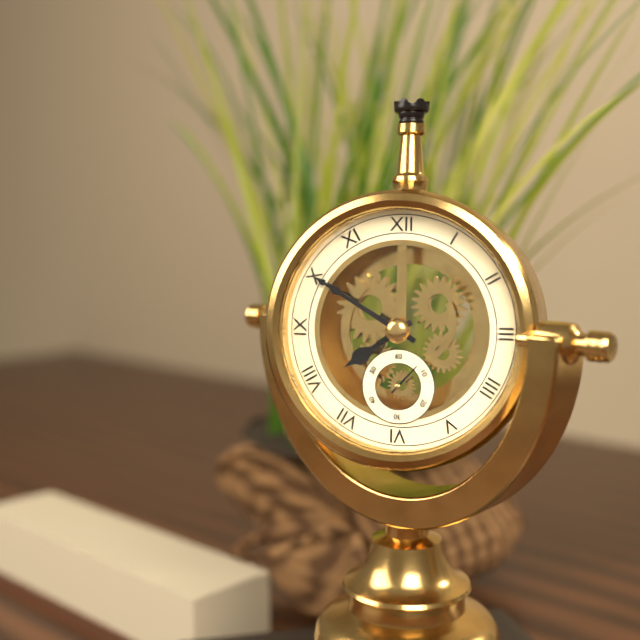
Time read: 7:50
